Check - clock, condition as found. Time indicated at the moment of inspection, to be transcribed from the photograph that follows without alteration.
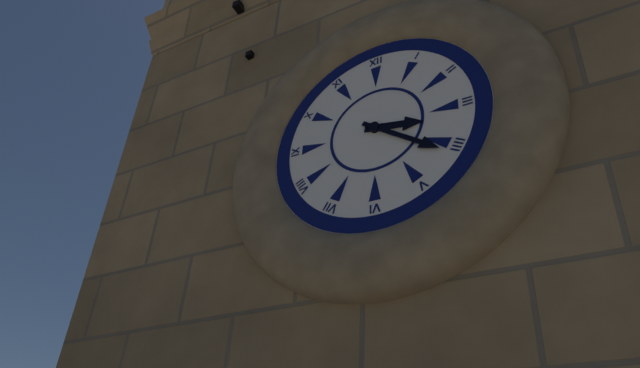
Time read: 3:21
